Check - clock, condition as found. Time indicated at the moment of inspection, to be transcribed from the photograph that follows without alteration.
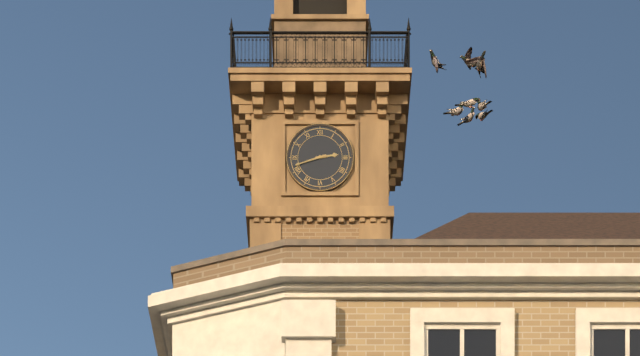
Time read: 2:42
